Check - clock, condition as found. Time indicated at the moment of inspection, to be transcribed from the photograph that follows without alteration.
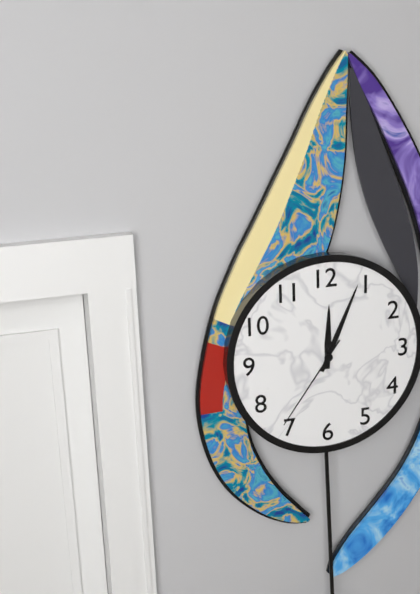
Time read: 12:04:36
